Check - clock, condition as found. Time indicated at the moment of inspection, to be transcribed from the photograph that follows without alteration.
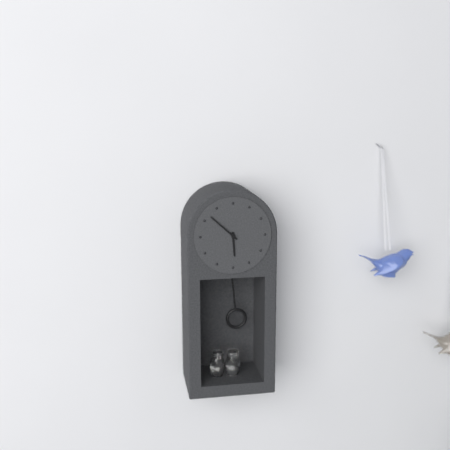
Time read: 5:52
